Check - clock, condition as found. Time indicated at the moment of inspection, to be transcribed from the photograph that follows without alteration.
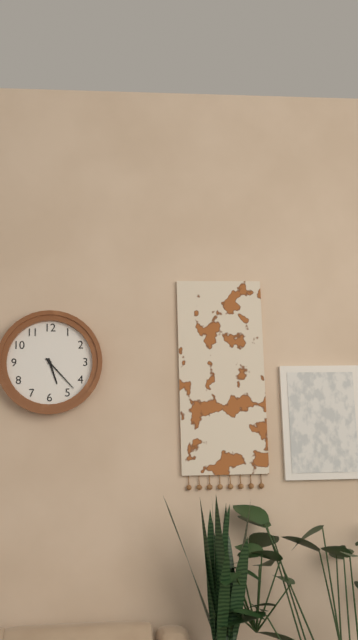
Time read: 5:23
